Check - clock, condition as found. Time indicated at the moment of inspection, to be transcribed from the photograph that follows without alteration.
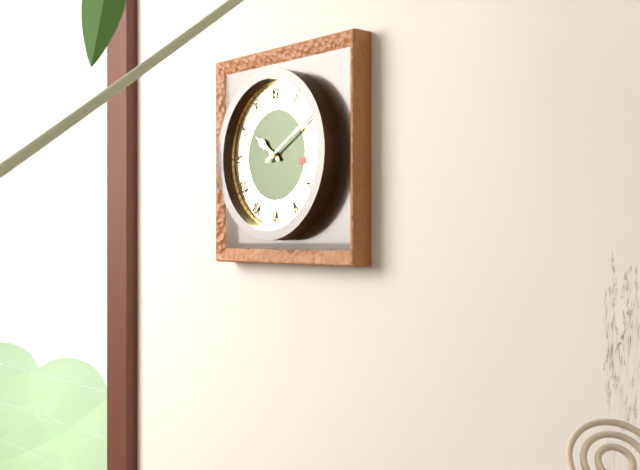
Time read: 10:10
